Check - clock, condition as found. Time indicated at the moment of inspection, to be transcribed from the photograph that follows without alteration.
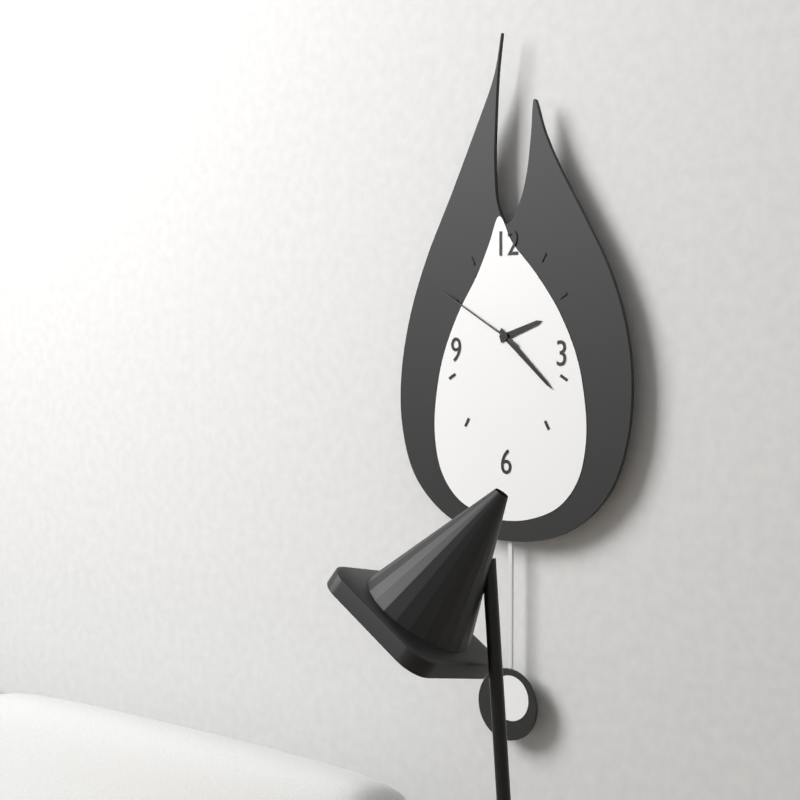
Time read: 2:22:50
